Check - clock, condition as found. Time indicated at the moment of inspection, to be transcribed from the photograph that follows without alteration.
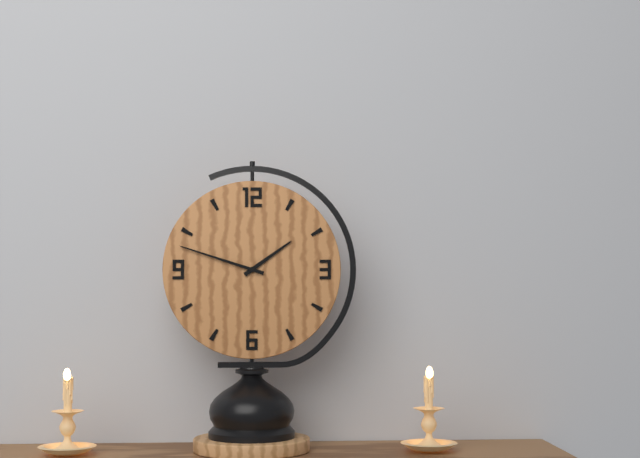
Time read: 1:48
